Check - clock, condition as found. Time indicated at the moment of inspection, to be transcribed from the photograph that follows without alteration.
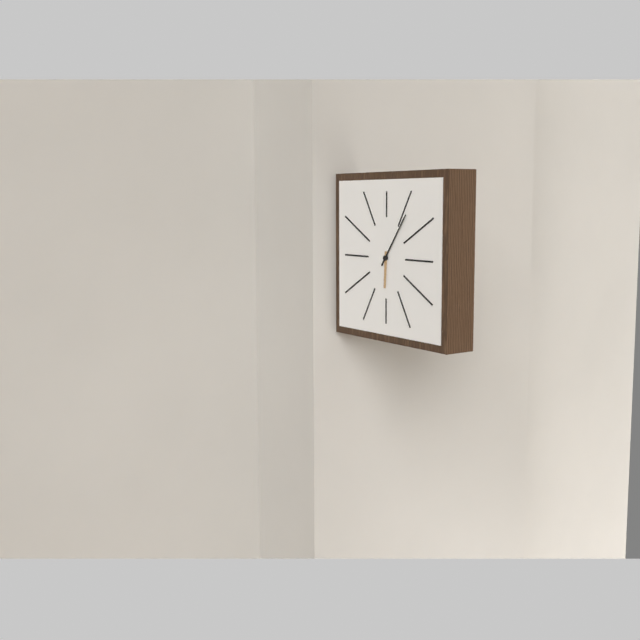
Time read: 6:06
